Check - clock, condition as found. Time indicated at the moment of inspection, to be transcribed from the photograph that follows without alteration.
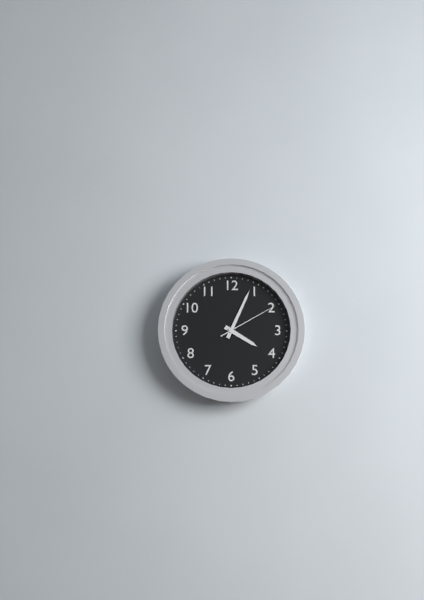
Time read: 4:04:10
